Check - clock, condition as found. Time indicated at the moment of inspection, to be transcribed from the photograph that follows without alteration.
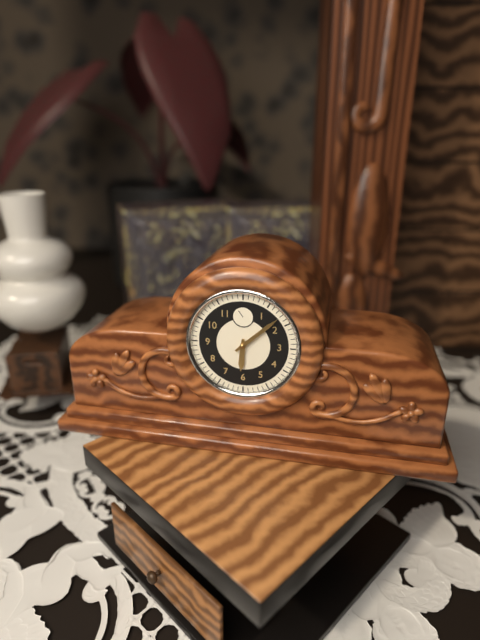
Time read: 6:08
